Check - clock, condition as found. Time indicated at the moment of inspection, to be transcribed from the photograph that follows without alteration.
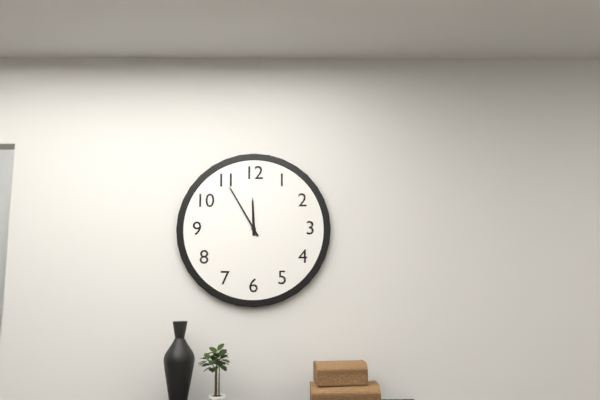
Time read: 11:55
